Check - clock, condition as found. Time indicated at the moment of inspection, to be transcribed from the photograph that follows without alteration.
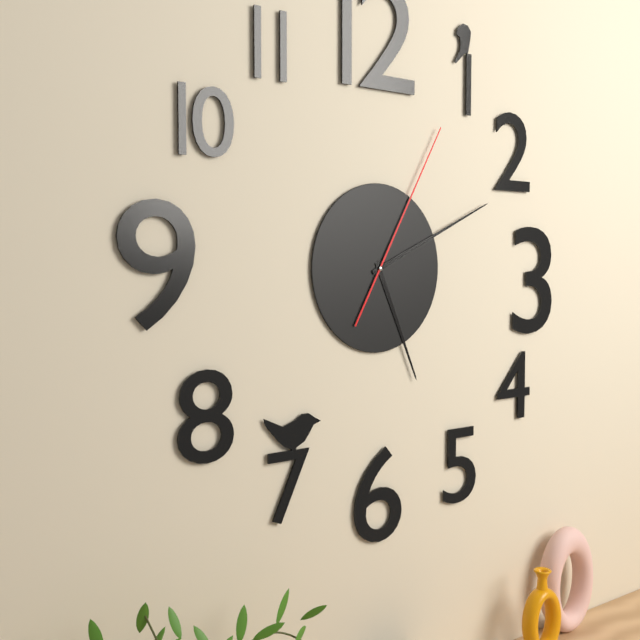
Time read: 5:11:05
